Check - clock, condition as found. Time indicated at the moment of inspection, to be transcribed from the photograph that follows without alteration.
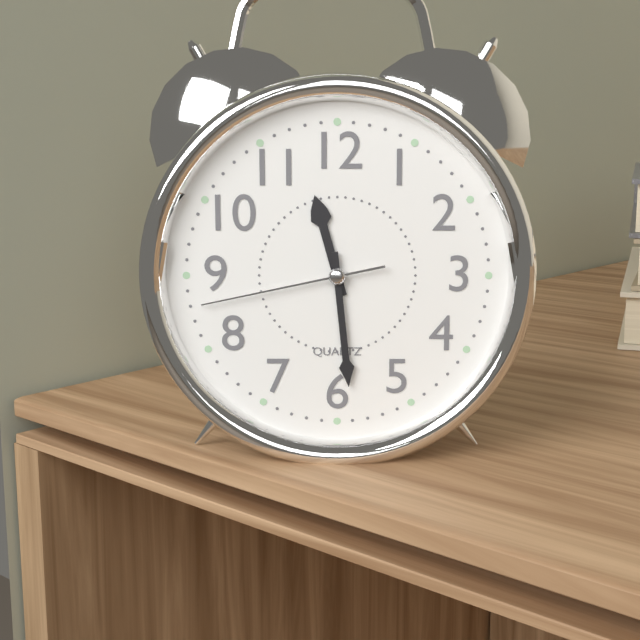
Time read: 11:29:43
